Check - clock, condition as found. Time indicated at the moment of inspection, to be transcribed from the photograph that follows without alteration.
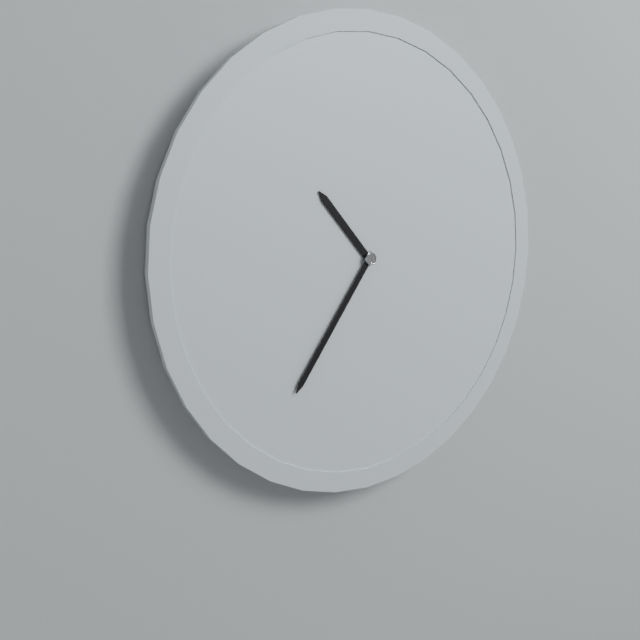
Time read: 10:36
